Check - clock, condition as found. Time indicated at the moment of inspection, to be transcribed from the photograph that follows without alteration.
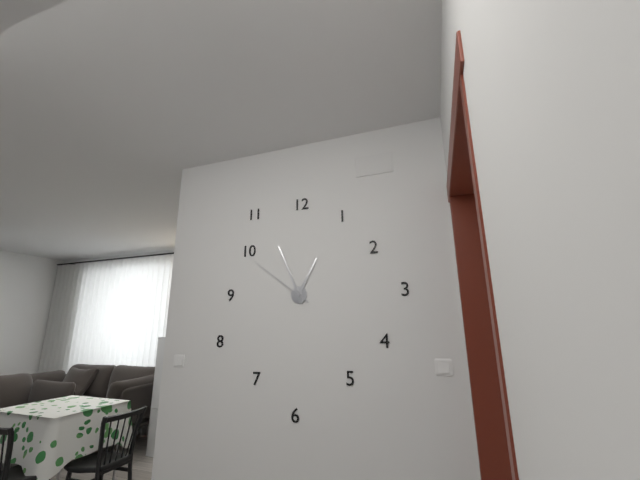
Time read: 12:56:51
